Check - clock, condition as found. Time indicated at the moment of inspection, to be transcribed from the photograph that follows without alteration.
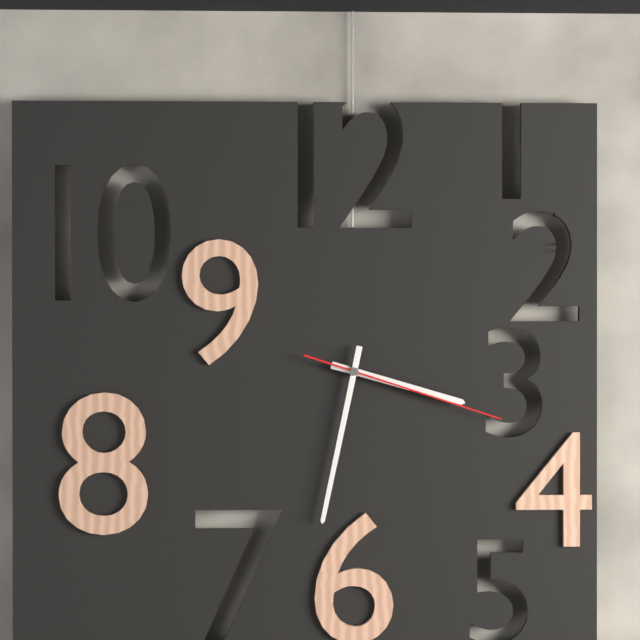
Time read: 3:32:18
